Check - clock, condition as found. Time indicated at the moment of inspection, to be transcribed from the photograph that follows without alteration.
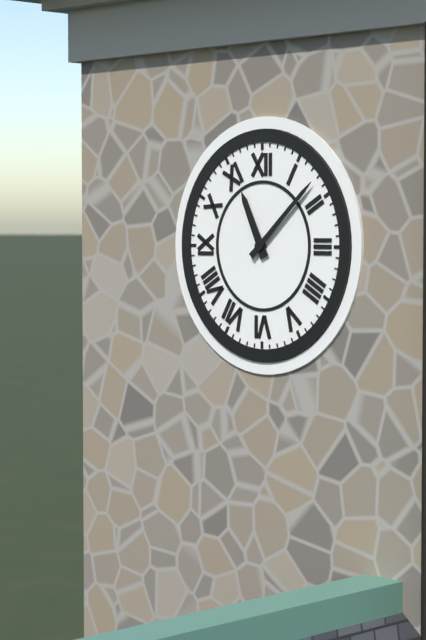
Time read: 11:08
